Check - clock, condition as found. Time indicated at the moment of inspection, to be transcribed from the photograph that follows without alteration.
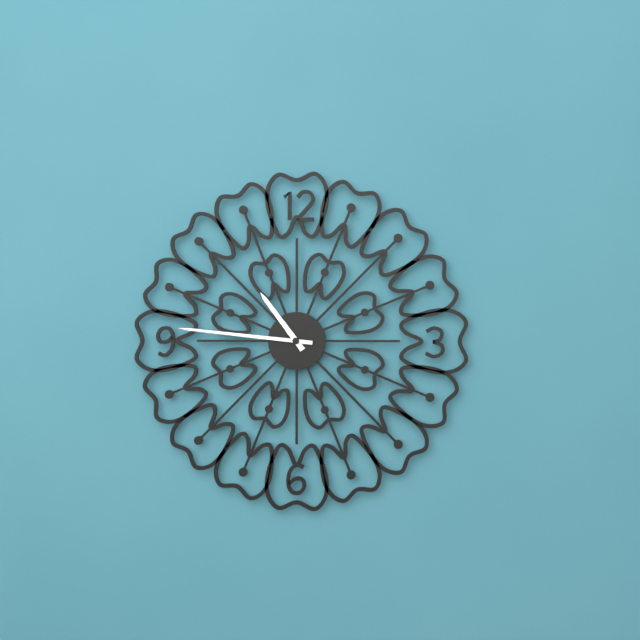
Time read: 10:46
